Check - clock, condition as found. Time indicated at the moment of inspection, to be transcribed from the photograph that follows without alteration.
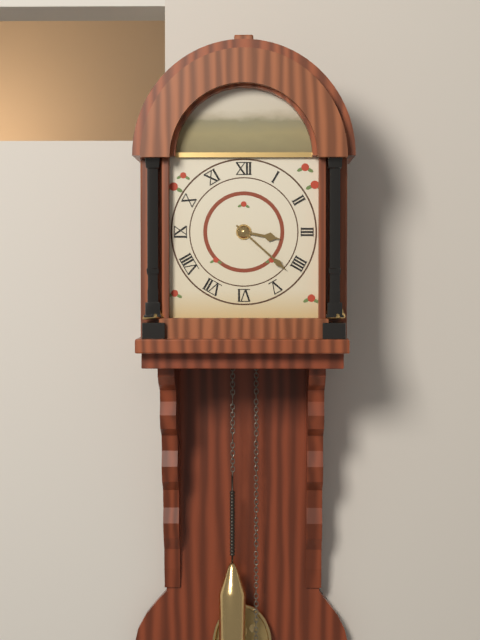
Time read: 3:22
